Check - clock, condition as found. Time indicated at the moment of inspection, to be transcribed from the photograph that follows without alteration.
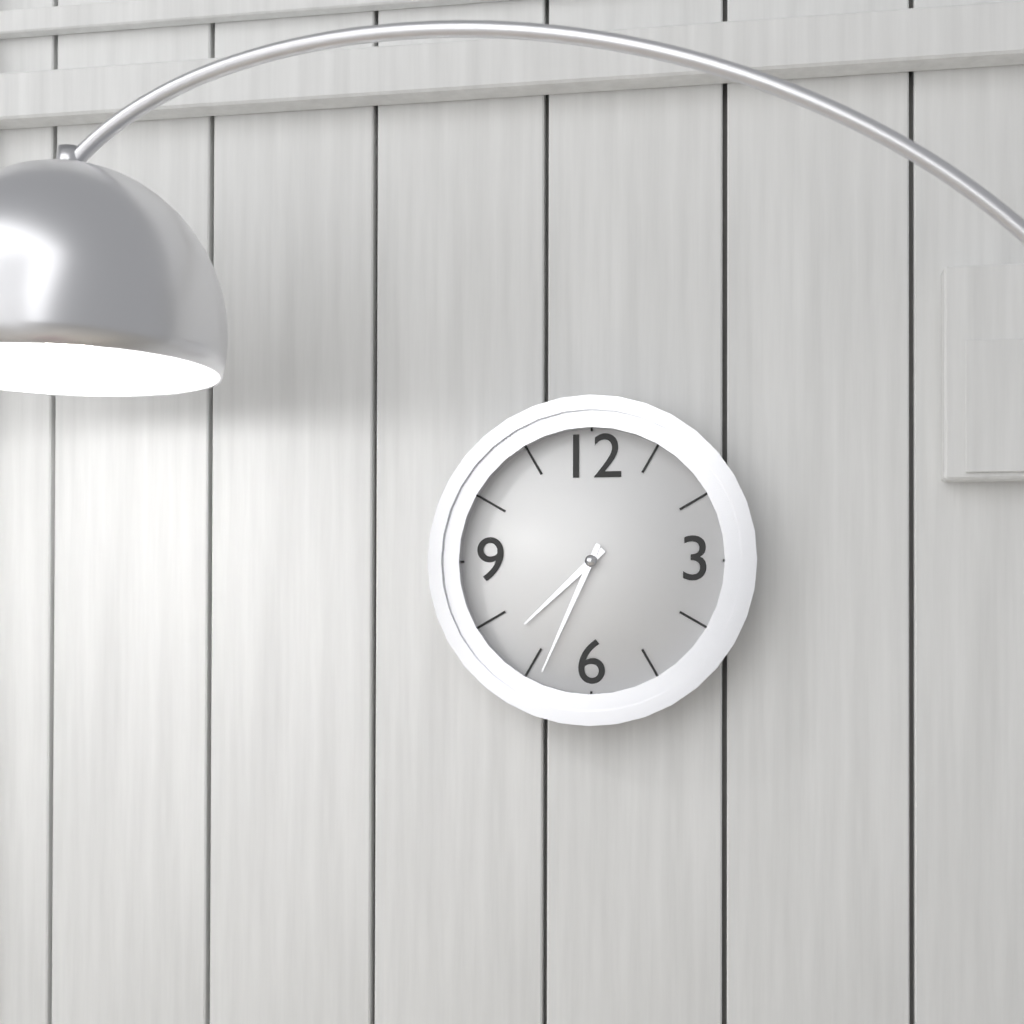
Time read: 7:34
